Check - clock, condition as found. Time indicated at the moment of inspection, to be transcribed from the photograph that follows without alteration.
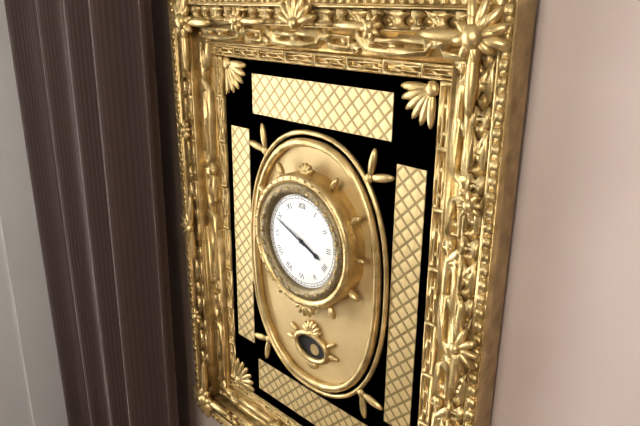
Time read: 3:49
